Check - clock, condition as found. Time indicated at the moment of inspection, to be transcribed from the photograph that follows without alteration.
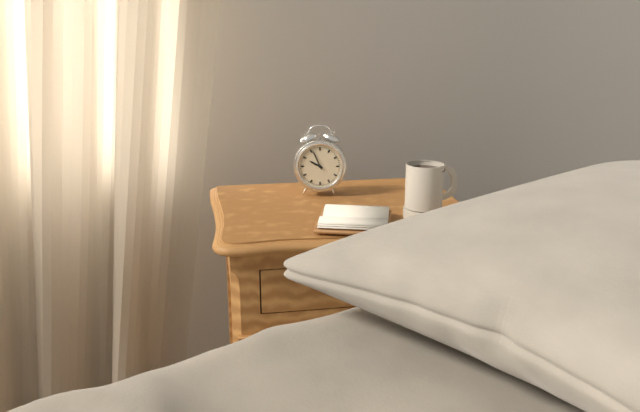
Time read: 9:56
